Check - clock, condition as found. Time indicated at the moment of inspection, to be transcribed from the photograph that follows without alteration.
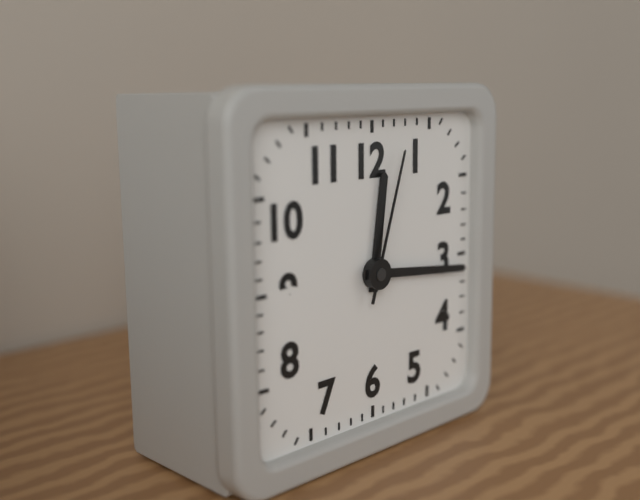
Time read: 12:16:03
